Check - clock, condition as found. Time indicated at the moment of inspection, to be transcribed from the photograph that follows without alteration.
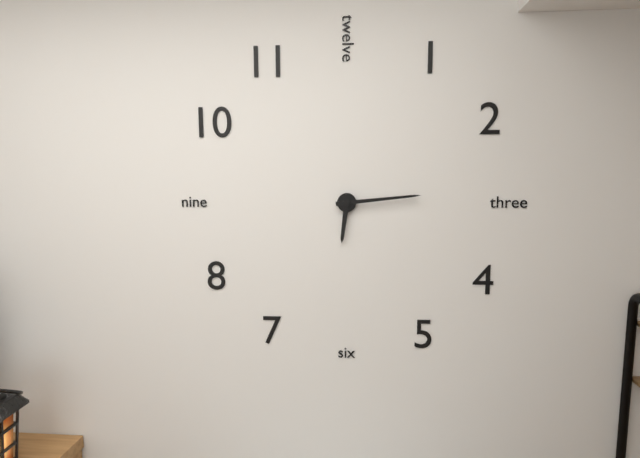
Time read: 6:14
